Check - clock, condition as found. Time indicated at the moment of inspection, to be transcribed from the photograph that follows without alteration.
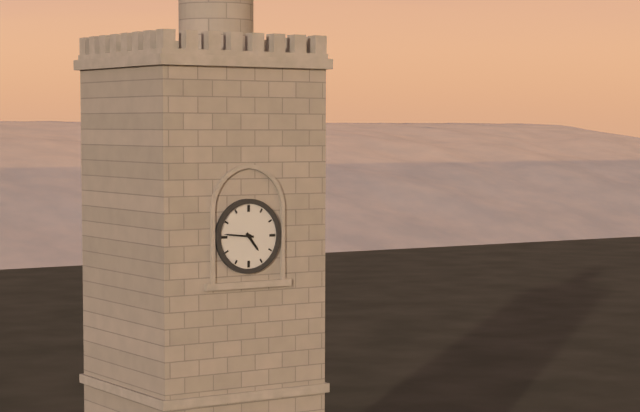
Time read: 4:46
